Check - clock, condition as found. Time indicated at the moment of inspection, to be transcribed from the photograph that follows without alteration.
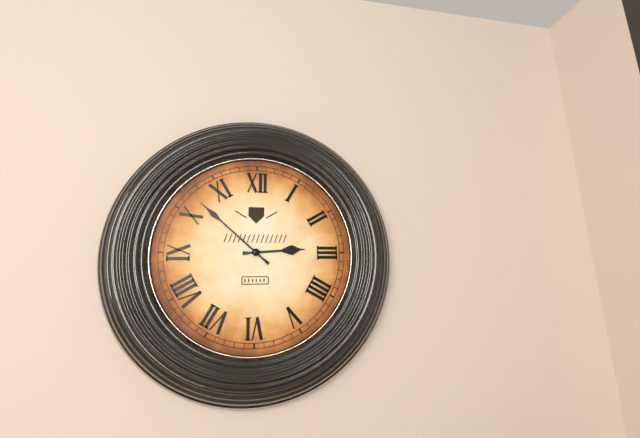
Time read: 2:52
